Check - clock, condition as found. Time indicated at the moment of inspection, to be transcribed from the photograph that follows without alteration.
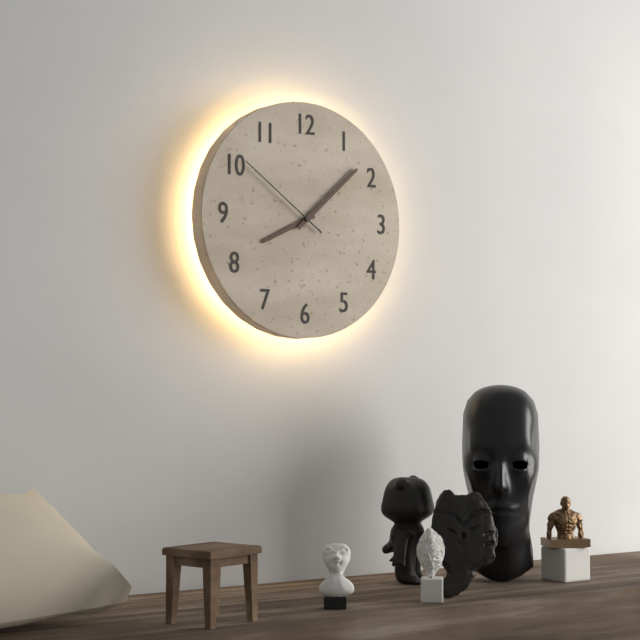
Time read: 8:08:51
